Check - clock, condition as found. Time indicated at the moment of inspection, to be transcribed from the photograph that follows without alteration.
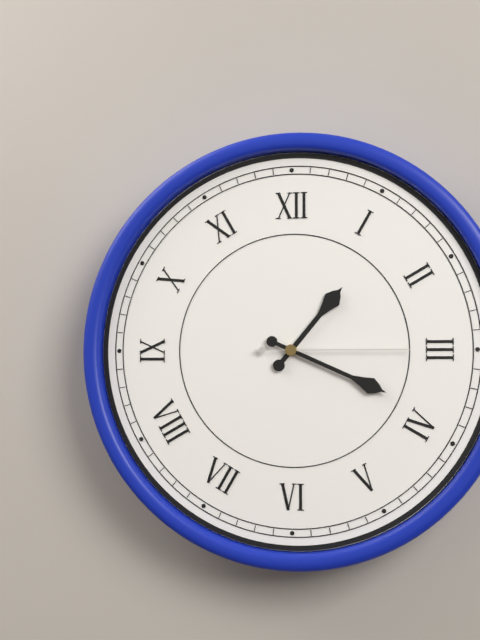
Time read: 1:19:15
